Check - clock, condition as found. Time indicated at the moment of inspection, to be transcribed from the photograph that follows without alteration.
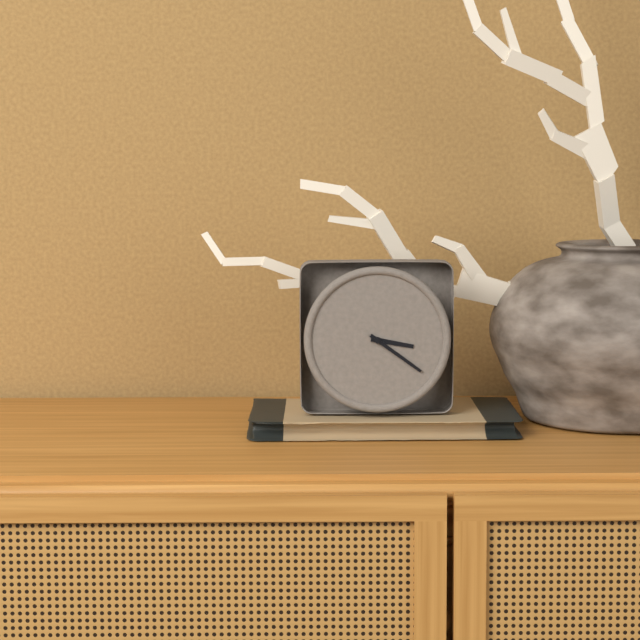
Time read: 3:21
